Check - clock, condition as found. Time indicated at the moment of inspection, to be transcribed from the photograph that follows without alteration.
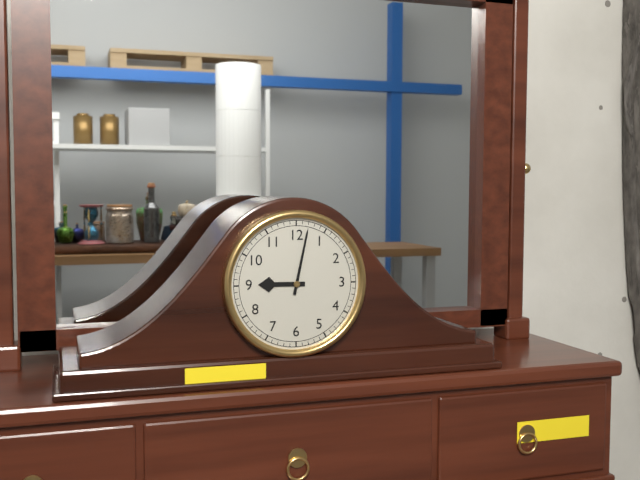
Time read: 9:02
